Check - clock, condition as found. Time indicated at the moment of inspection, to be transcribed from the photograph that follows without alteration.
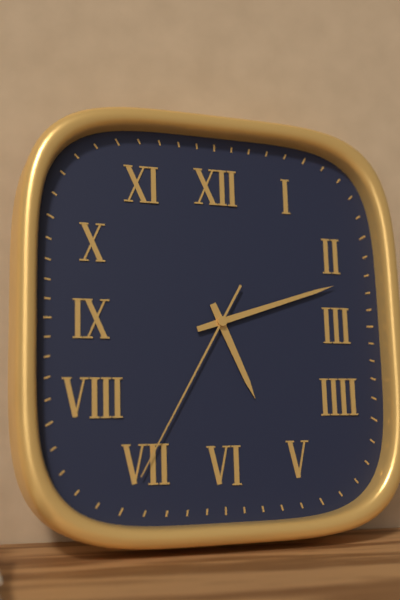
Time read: 5:12:35
